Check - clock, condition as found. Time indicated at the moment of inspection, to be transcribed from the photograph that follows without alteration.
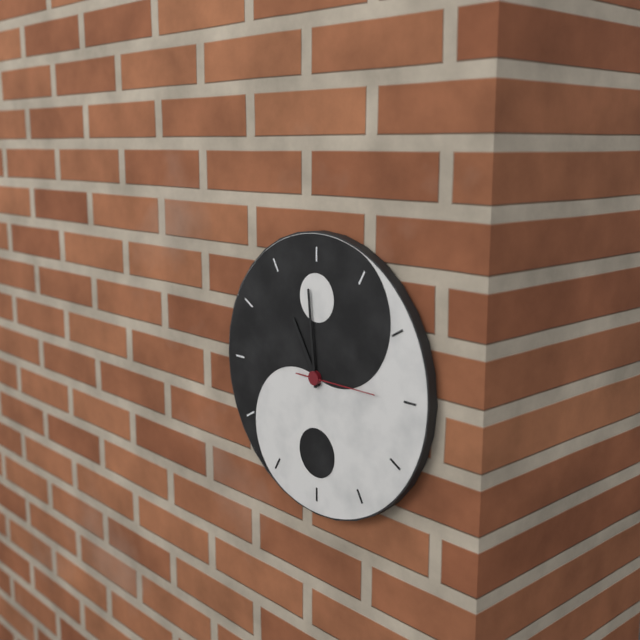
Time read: 10:59:15
